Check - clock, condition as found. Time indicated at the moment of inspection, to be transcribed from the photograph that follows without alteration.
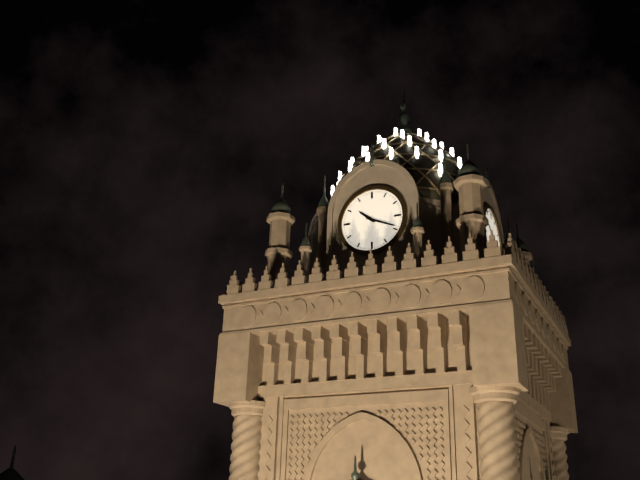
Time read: 10:19
